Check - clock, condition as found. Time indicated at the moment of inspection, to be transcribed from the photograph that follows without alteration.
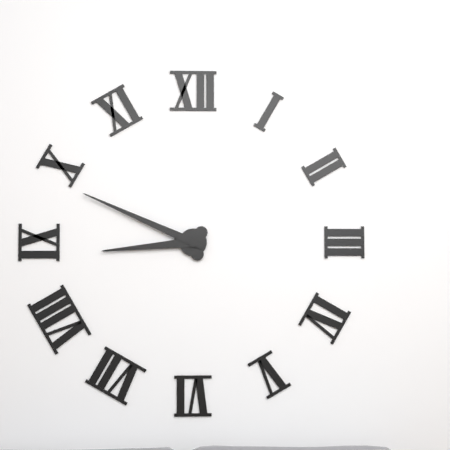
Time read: 8:49
